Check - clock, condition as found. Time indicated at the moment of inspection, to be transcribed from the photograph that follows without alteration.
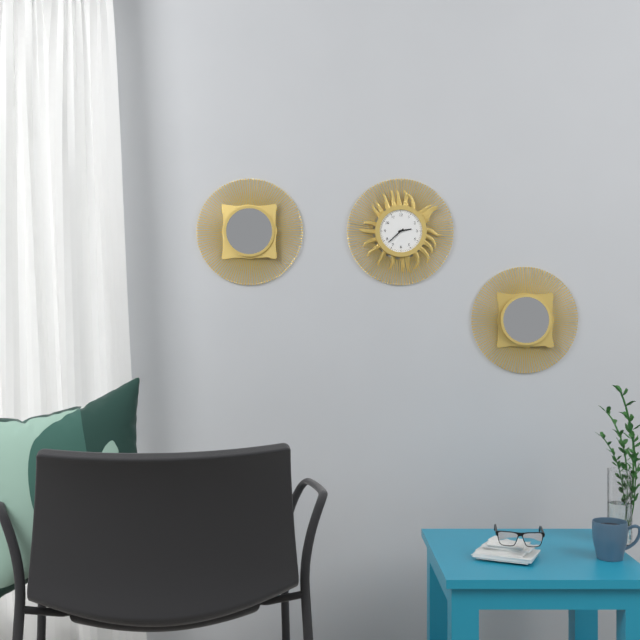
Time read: 2:38
